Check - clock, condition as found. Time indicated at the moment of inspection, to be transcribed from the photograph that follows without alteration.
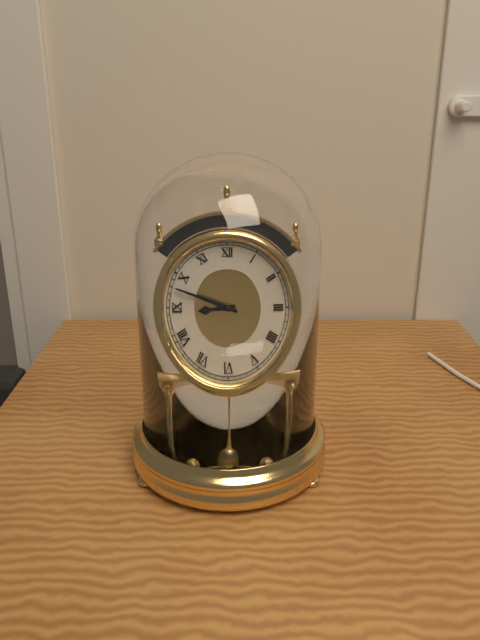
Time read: 8:48
